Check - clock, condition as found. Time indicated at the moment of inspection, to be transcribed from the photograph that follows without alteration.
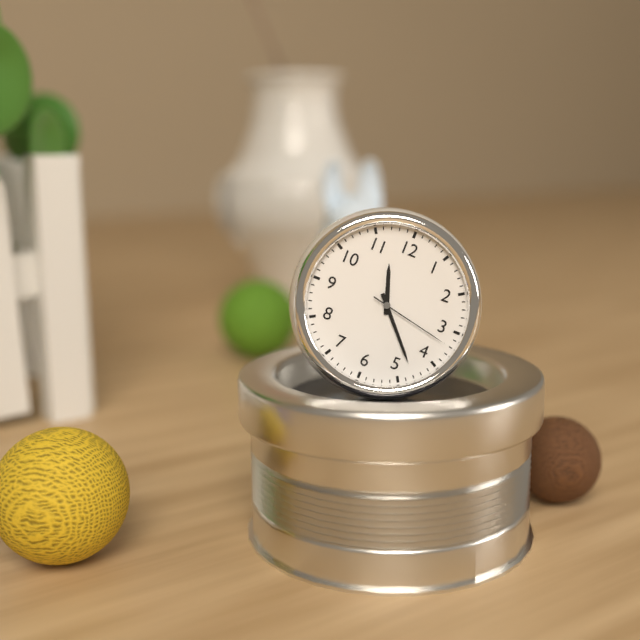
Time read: 11:23:17
